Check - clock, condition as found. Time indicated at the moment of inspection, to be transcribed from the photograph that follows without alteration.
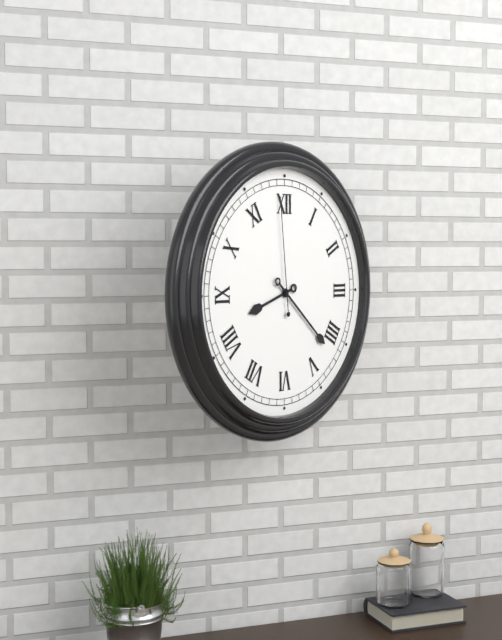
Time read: 8:22:59
